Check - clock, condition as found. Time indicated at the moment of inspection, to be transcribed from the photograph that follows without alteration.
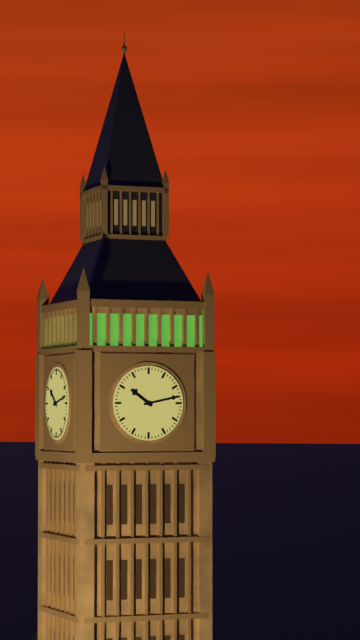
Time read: 10:13
